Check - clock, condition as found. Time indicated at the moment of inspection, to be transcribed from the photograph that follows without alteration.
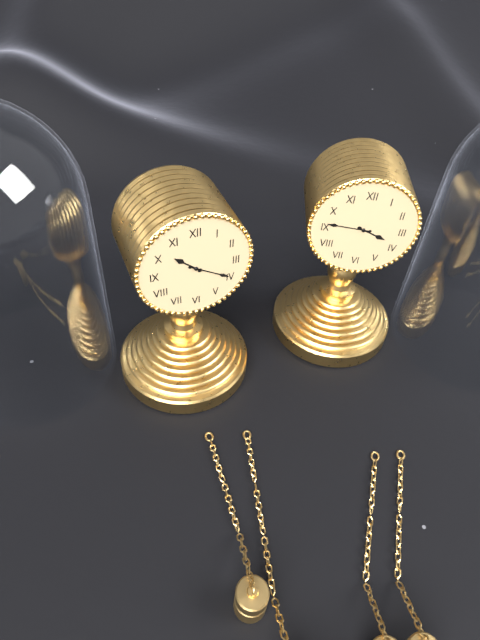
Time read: 10:20
